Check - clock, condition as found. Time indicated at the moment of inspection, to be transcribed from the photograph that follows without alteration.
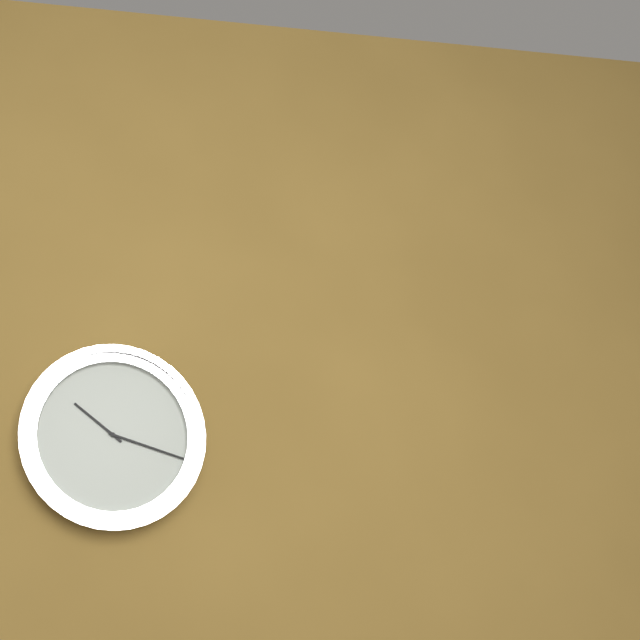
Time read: 10:18
